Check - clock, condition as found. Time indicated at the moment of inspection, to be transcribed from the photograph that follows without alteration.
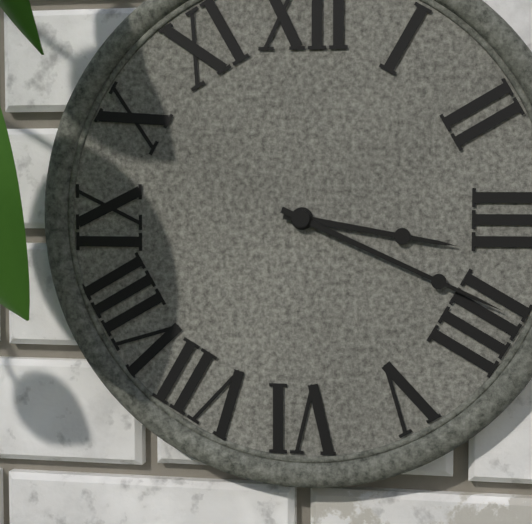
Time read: 3:19
